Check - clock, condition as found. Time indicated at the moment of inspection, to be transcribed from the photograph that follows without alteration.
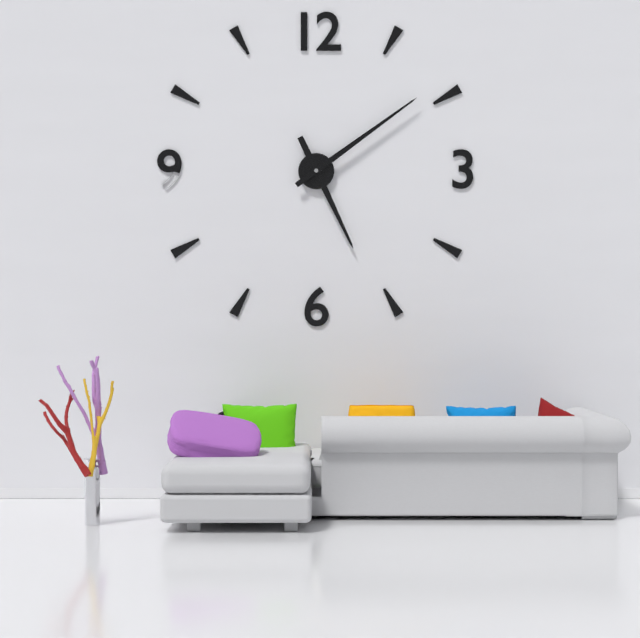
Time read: 5:09
